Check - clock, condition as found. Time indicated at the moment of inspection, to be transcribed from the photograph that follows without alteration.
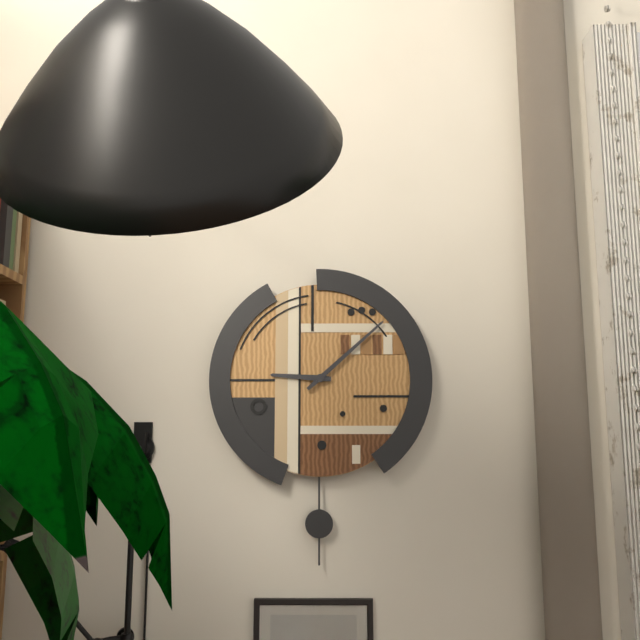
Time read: 9:08
